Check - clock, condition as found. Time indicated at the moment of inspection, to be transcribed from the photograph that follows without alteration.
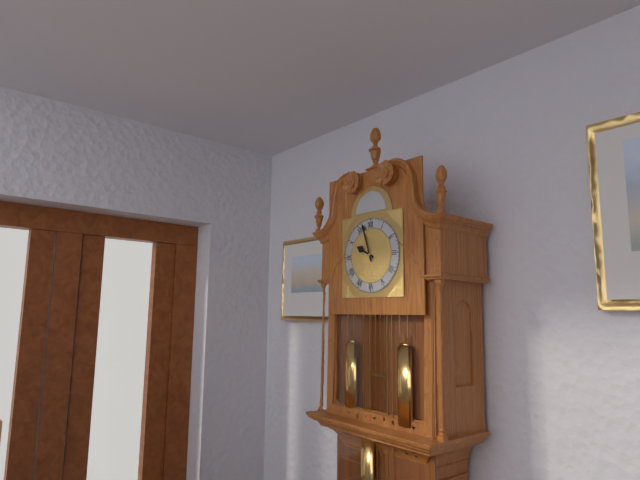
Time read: 9:57
